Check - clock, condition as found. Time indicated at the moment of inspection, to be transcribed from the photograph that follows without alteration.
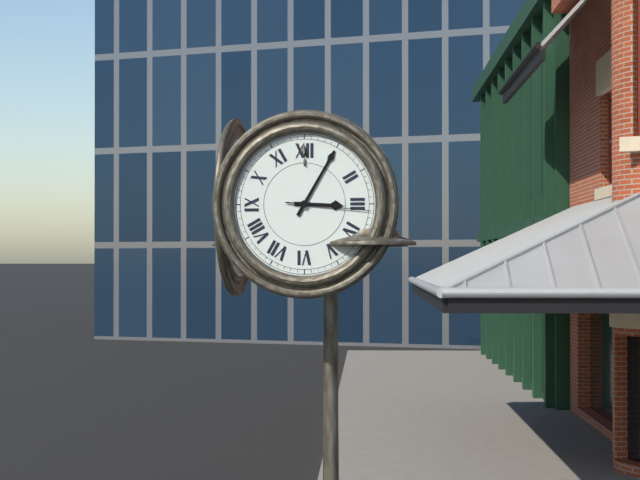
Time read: 3:05:16
